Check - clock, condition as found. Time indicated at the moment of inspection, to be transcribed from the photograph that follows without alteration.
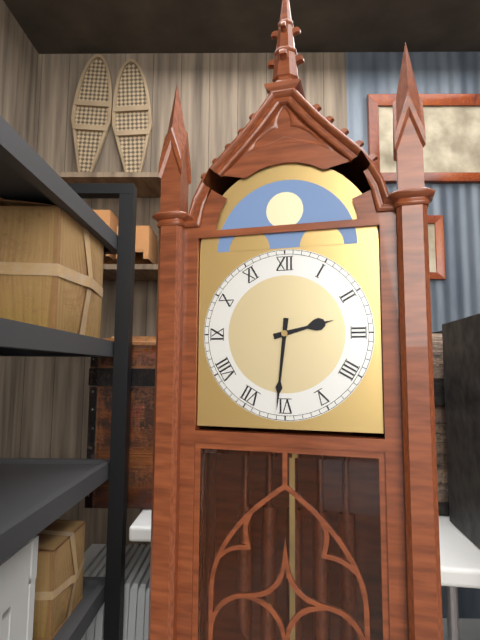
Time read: 2:31
